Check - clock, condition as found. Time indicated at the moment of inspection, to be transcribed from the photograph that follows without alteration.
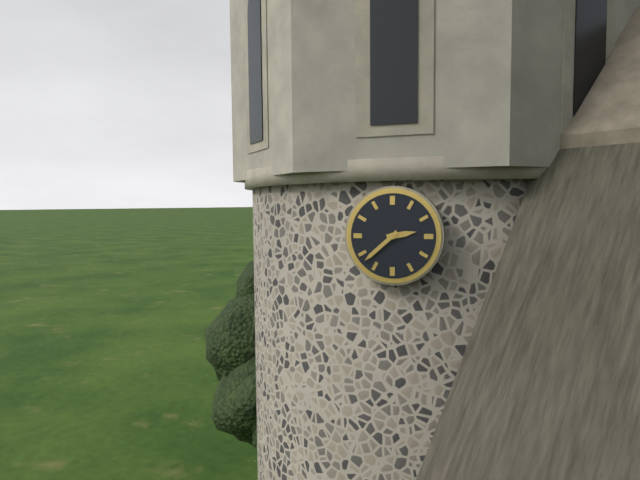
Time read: 2:38
